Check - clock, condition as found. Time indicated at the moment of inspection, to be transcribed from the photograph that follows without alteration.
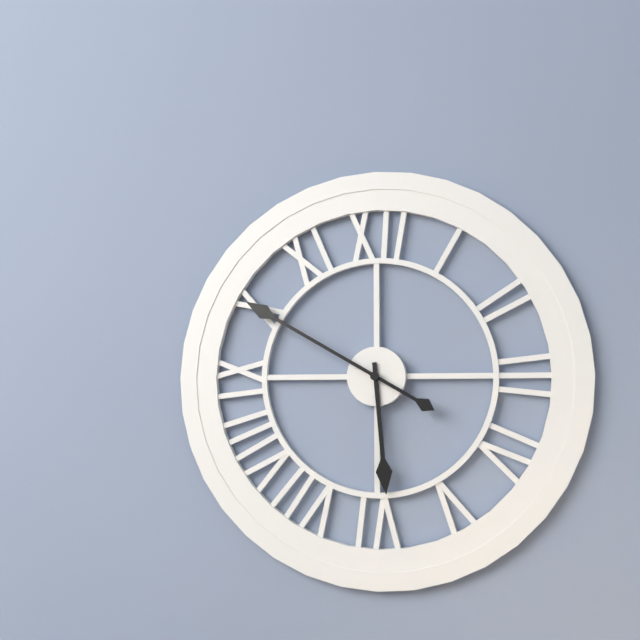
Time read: 5:50
